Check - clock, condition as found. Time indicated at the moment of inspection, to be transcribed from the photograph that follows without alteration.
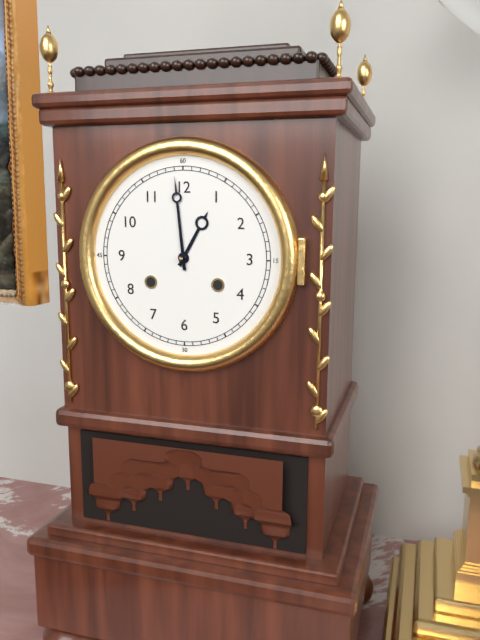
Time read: 12:59
